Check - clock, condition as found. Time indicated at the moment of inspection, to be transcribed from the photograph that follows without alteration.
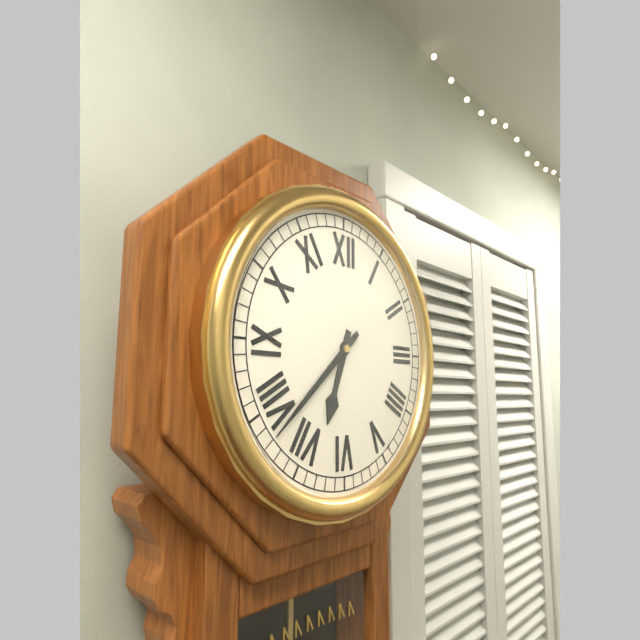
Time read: 6:38
